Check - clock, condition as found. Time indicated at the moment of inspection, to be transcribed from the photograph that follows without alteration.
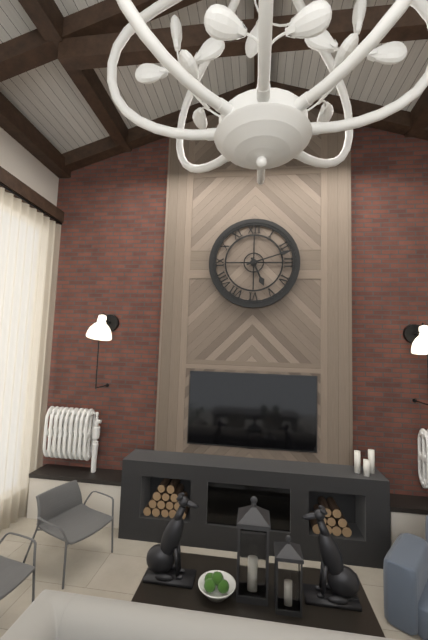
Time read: 5:12
